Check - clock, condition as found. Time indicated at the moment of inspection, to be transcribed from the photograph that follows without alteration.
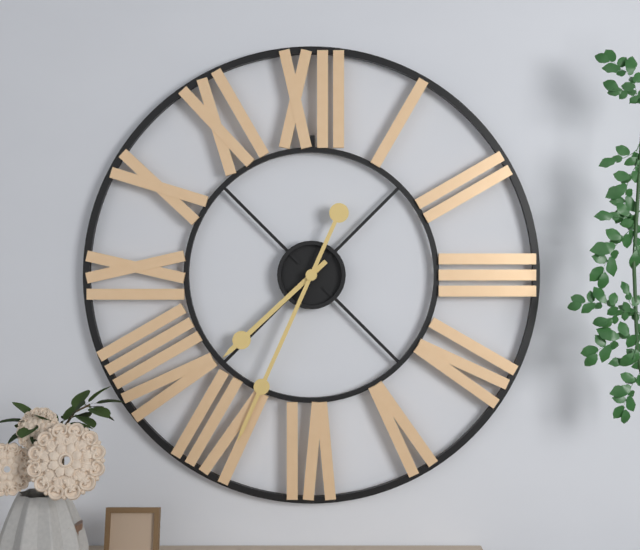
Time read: 7:34
